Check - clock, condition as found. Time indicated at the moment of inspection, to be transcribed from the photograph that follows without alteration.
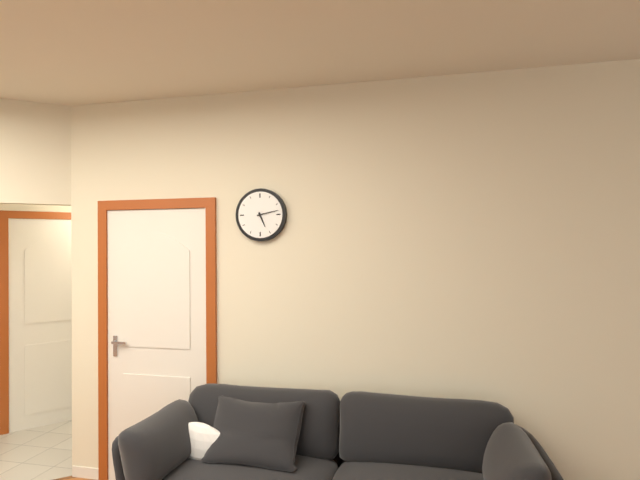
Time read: 5:13
